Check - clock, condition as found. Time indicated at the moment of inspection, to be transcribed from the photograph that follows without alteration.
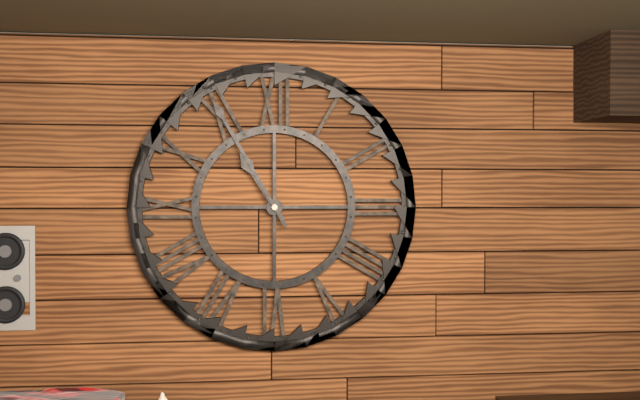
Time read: 10:55
